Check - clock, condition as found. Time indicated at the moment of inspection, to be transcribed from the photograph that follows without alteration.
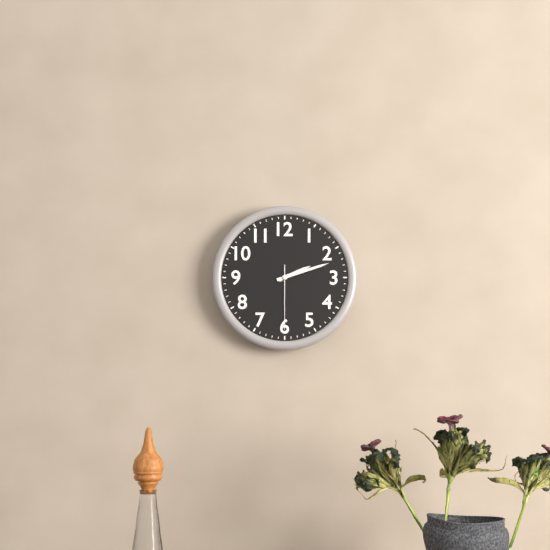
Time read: 2:12:30
